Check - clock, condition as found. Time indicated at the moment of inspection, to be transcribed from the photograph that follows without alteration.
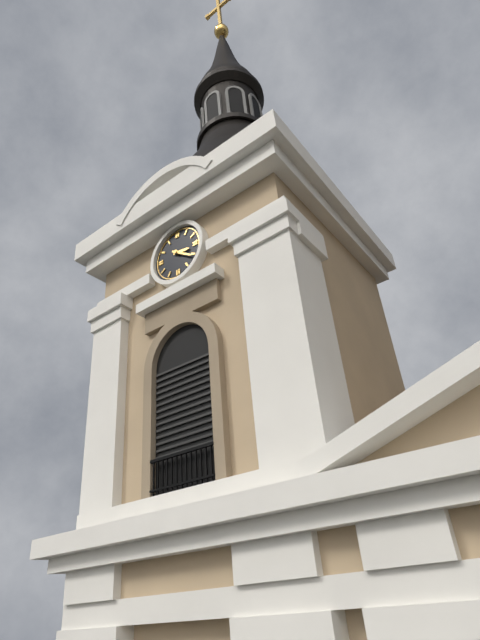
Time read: 3:21
